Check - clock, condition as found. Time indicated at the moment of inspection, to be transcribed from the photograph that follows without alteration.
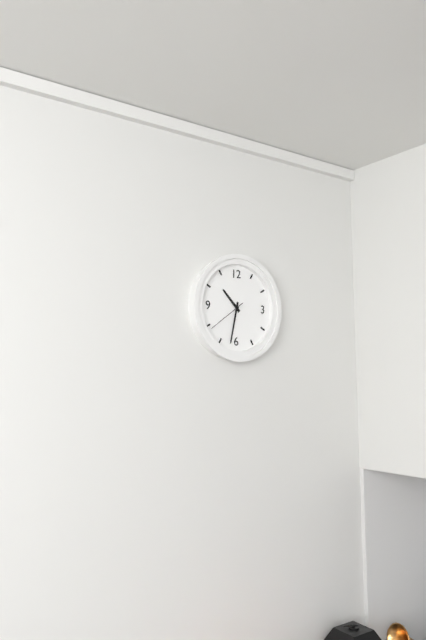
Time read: 10:32
